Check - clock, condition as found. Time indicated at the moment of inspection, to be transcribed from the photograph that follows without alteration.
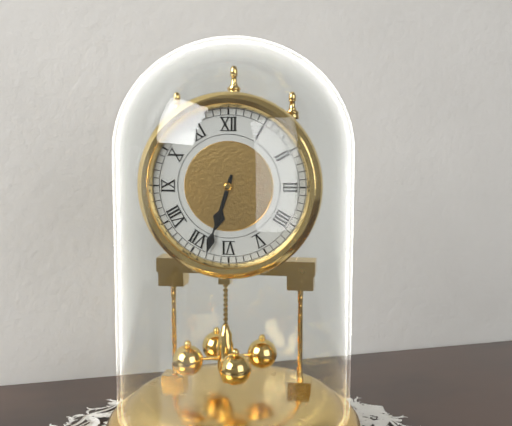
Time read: 6:33
